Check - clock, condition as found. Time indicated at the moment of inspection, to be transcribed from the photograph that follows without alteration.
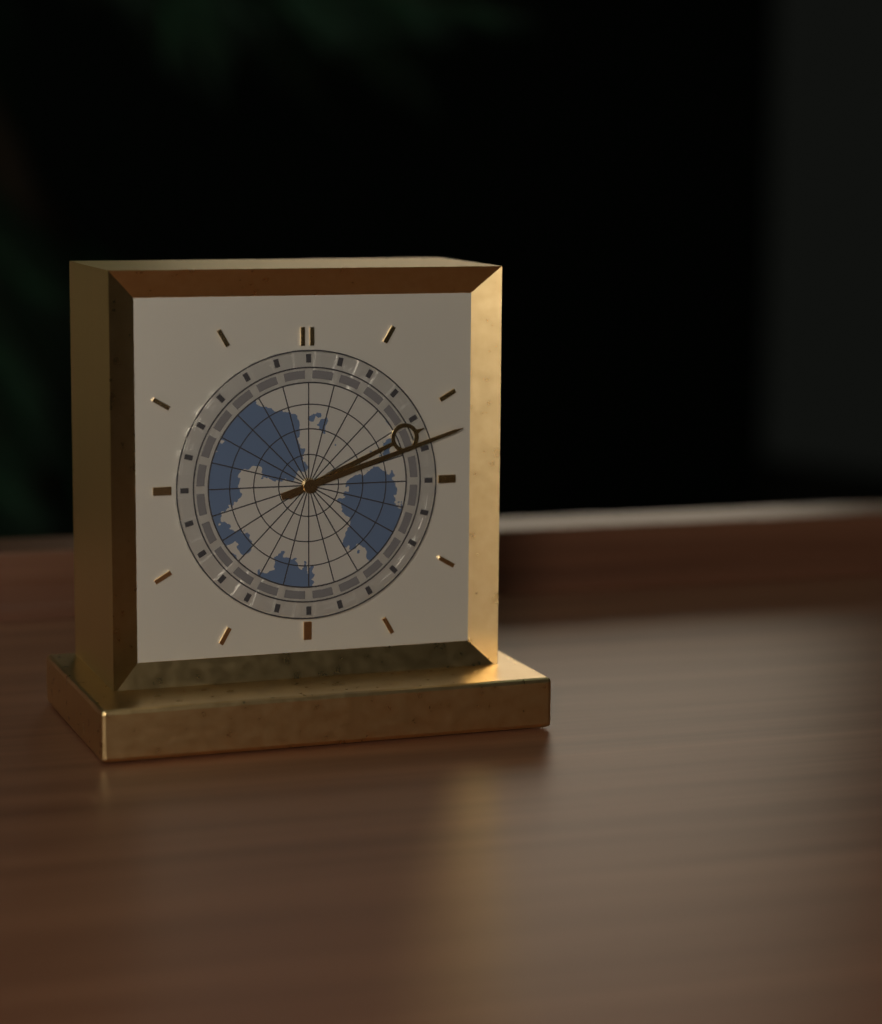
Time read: 2:12
